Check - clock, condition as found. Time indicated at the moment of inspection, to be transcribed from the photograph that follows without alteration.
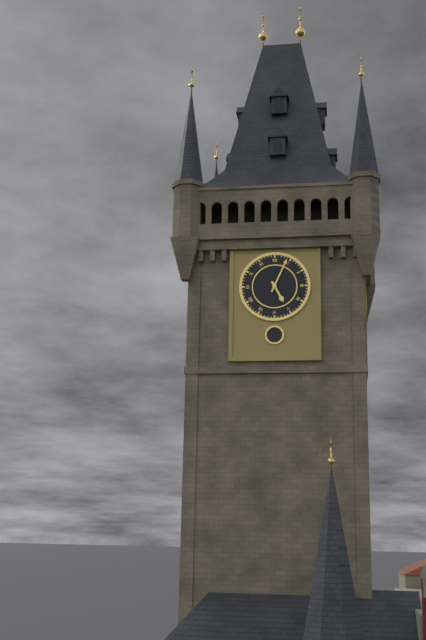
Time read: 5:04
